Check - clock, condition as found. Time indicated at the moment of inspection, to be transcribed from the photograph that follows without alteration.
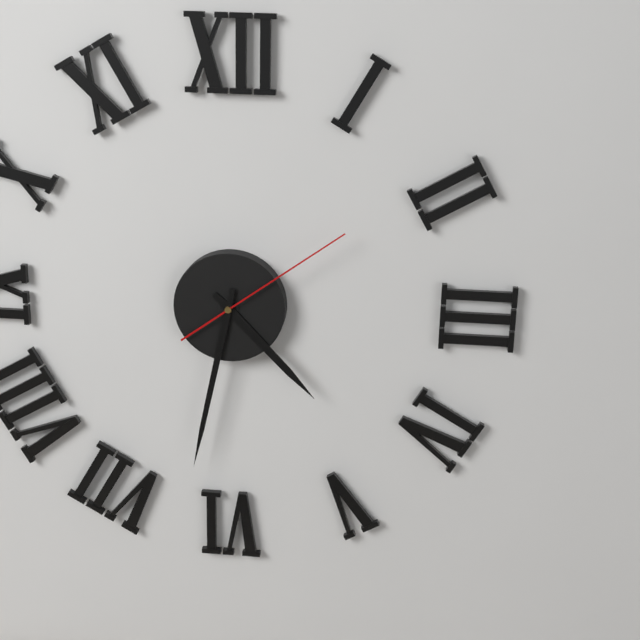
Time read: 4:32:09
